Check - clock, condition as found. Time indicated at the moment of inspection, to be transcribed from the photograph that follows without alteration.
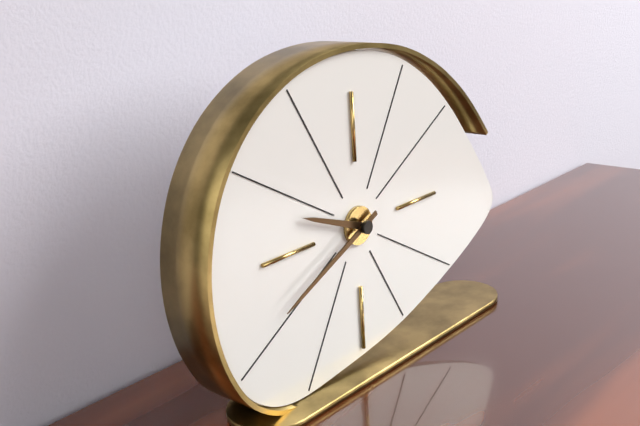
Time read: 9:41
